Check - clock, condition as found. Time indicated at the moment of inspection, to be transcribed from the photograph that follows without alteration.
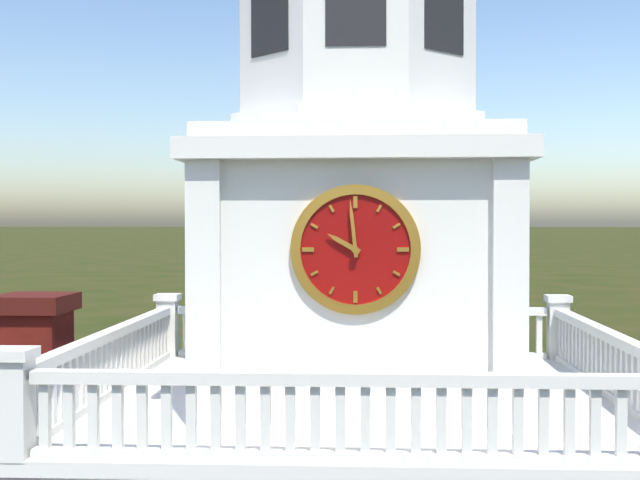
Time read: 9:59
